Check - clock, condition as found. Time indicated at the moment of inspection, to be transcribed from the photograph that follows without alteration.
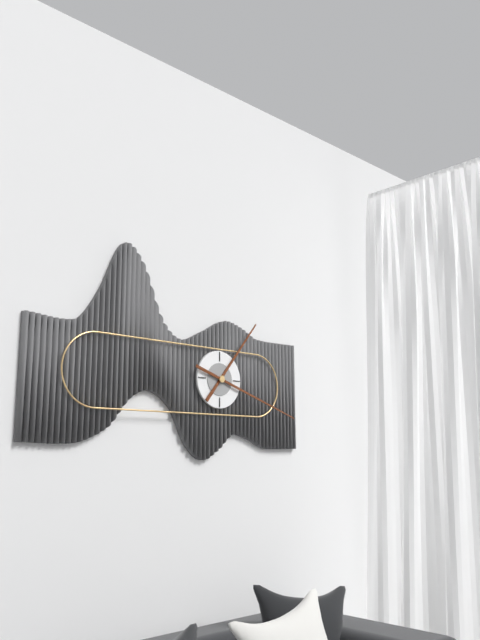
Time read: 1:18
